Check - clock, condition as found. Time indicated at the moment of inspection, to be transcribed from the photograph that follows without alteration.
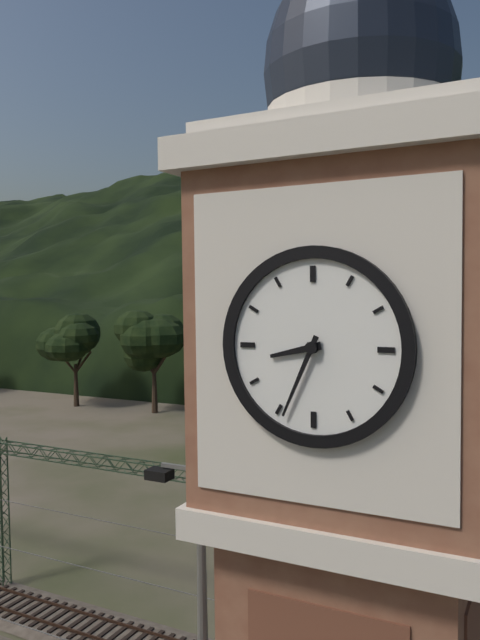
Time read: 8:34
